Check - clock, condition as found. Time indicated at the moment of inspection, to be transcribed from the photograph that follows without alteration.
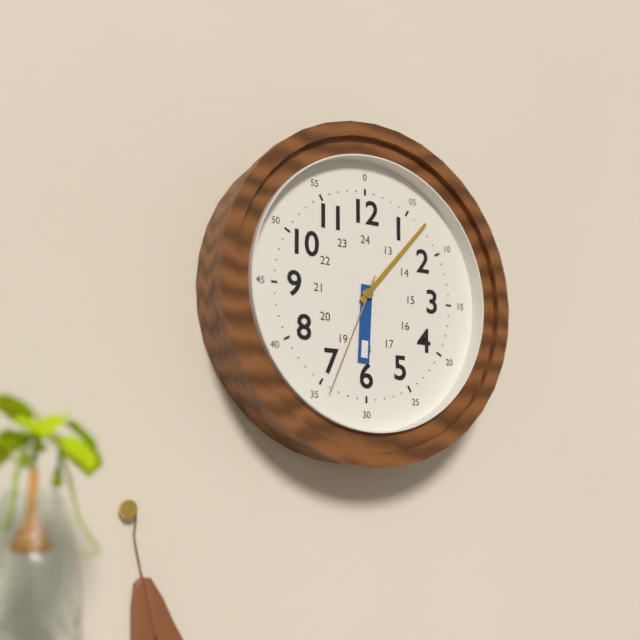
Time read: 6:07:34
